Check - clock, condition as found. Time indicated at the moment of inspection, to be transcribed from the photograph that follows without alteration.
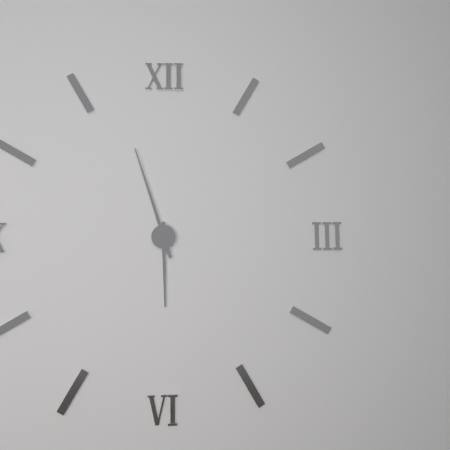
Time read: 5:57
